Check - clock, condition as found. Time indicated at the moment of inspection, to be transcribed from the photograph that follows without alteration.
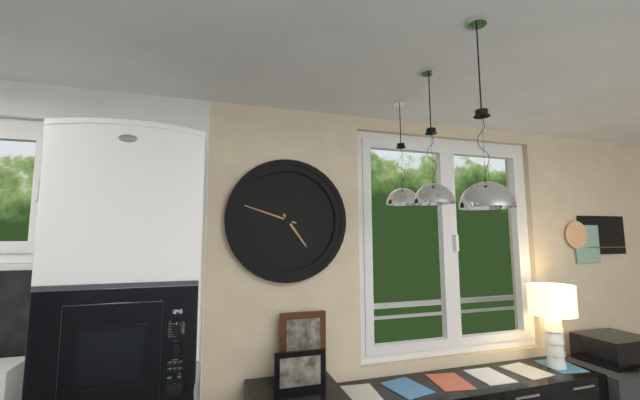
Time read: 4:48
